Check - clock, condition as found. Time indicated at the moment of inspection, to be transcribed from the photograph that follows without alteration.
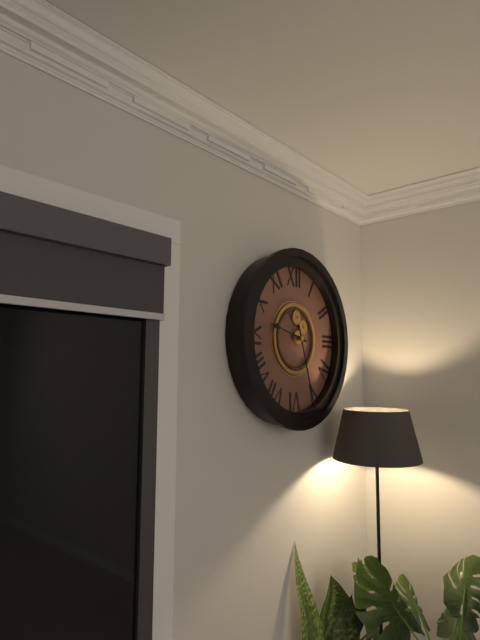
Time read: 9:27
